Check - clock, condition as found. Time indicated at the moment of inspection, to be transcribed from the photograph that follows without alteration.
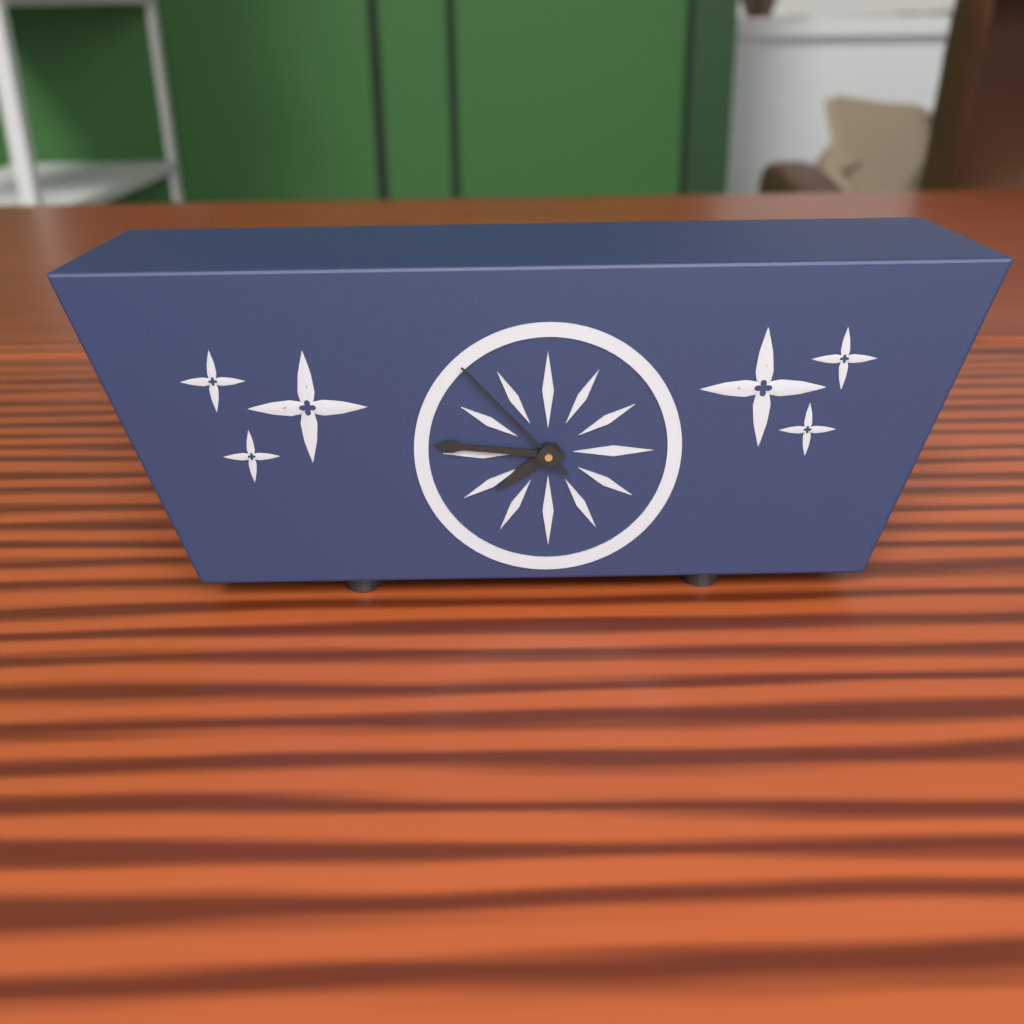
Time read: 7:46:53
